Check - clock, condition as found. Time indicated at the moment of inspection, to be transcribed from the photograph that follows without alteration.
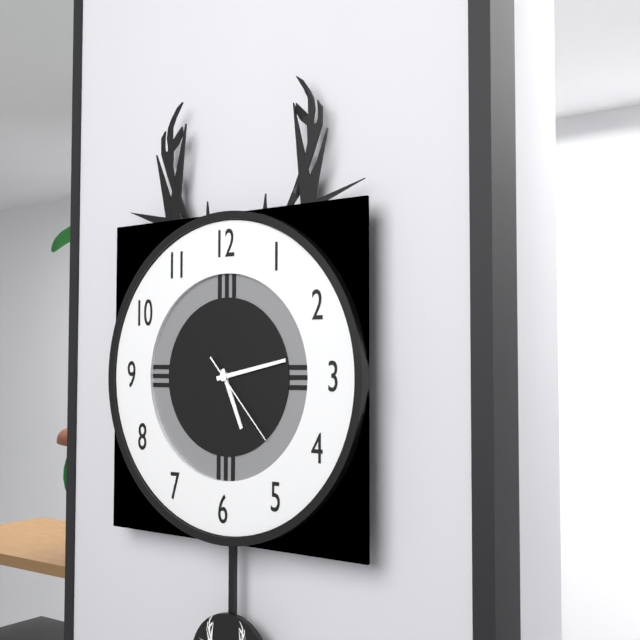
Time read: 5:13:23
